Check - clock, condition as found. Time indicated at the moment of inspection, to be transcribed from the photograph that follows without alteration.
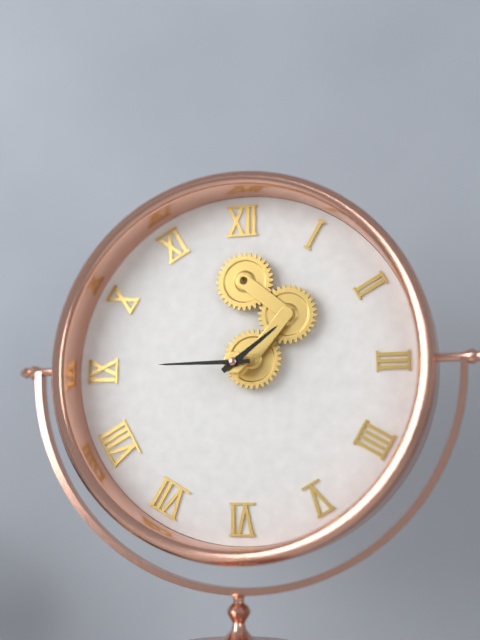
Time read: 1:45
